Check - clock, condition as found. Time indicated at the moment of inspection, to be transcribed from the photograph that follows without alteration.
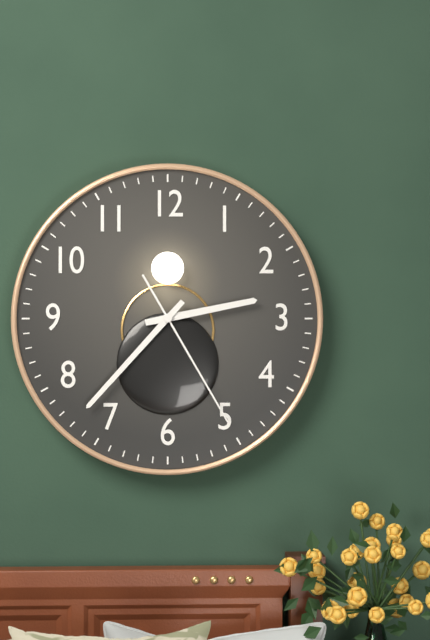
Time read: 2:37:25
